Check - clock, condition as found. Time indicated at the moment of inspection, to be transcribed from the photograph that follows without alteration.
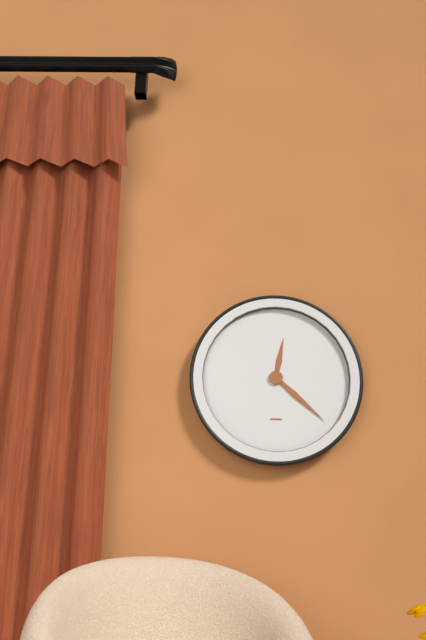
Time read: 12:22
